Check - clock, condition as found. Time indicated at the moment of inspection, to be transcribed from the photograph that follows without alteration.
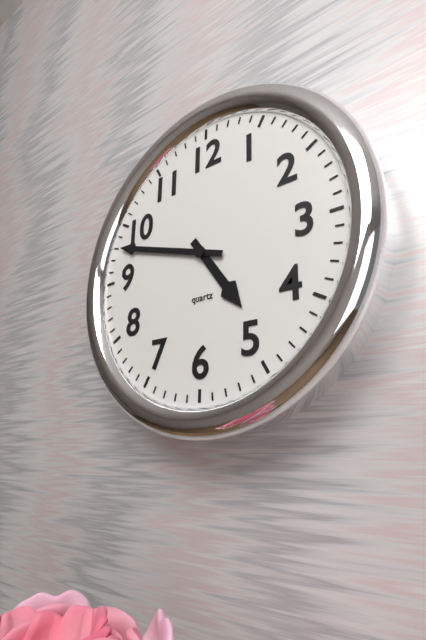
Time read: 4:48
